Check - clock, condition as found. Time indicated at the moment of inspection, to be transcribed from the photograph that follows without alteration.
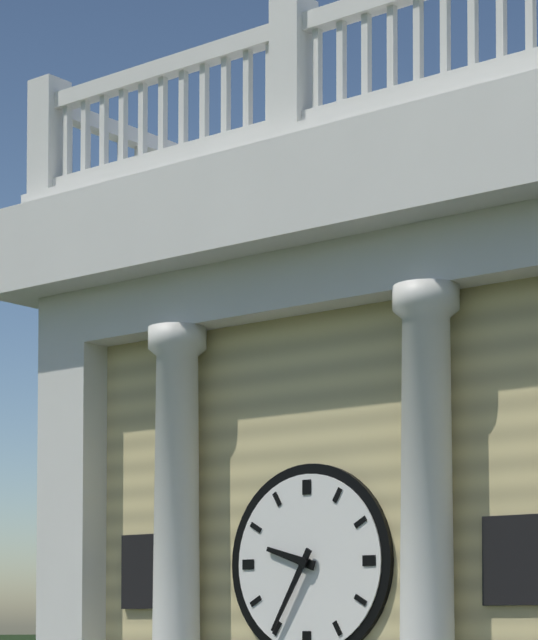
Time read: 9:35
